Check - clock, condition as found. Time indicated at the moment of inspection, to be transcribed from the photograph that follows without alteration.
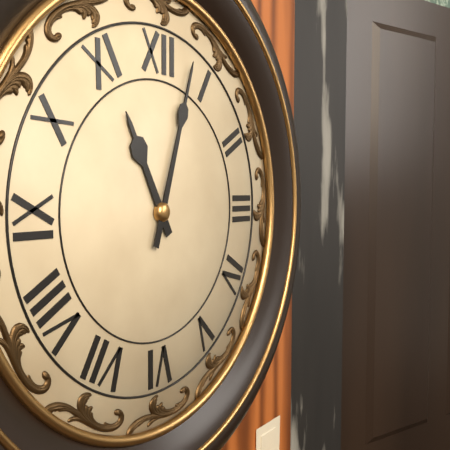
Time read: 11:03
